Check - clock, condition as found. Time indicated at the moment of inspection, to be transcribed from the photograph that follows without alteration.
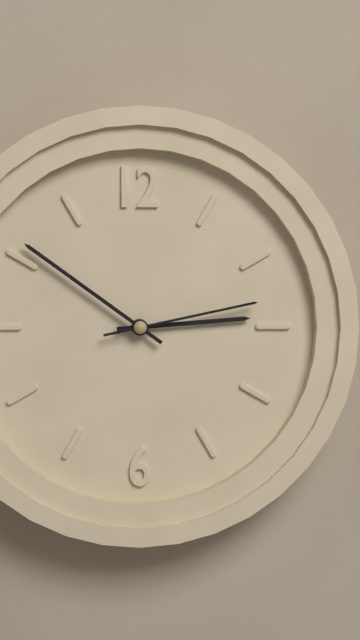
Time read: 2:51:13
